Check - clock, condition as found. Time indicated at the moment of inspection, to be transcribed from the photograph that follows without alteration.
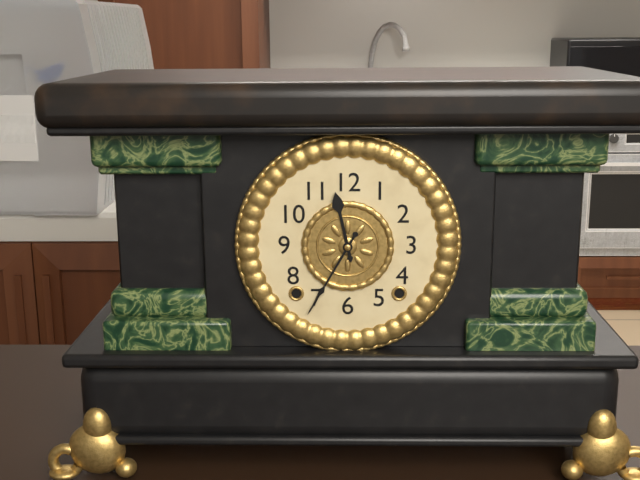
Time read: 11:35
